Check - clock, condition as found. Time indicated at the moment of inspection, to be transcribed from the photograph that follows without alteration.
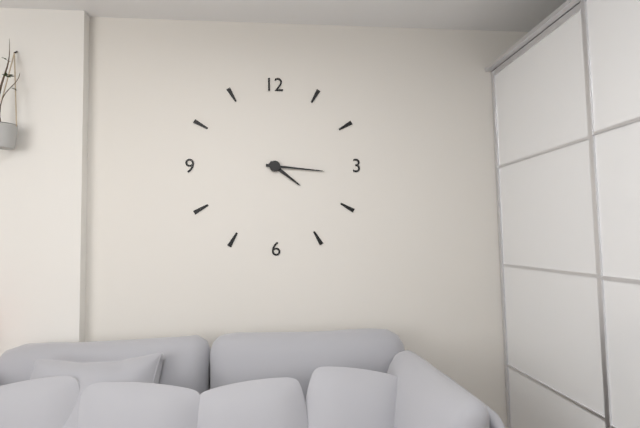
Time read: 4:16
